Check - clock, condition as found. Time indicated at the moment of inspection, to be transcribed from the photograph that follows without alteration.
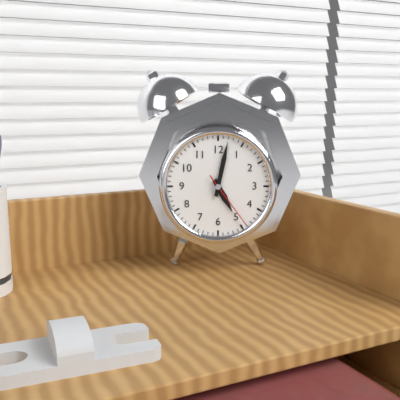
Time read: 5:02:24
